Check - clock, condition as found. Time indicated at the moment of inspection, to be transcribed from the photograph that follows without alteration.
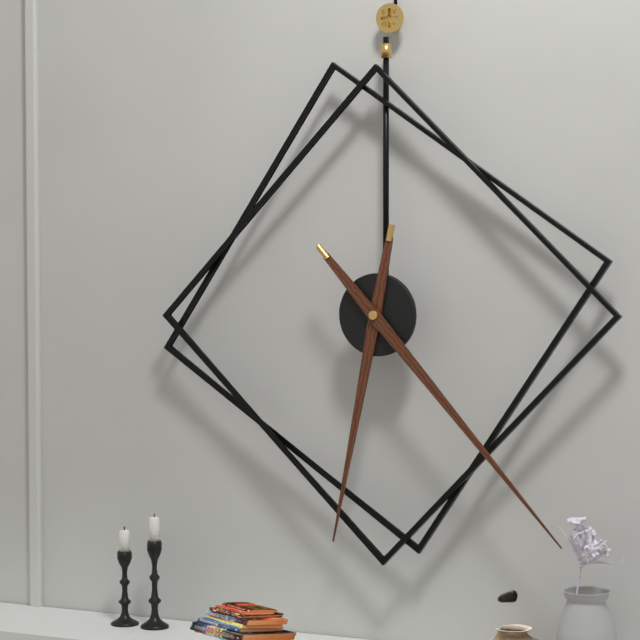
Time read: 6:23
